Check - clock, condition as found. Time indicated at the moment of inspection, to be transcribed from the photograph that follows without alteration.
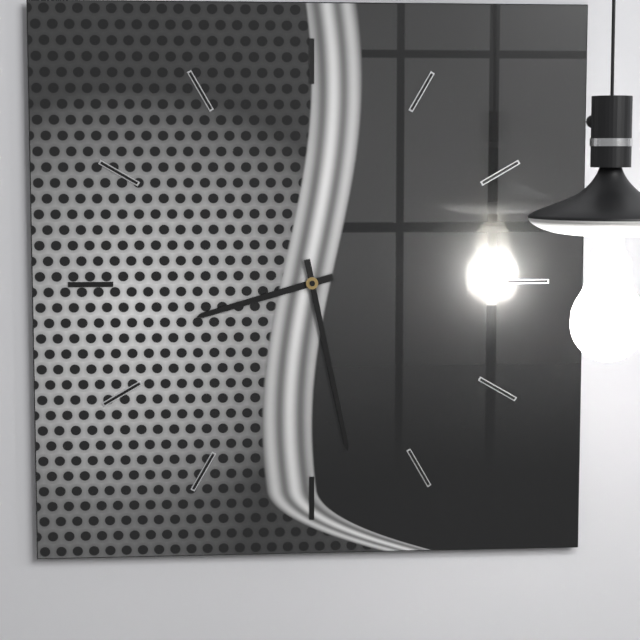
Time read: 8:28
